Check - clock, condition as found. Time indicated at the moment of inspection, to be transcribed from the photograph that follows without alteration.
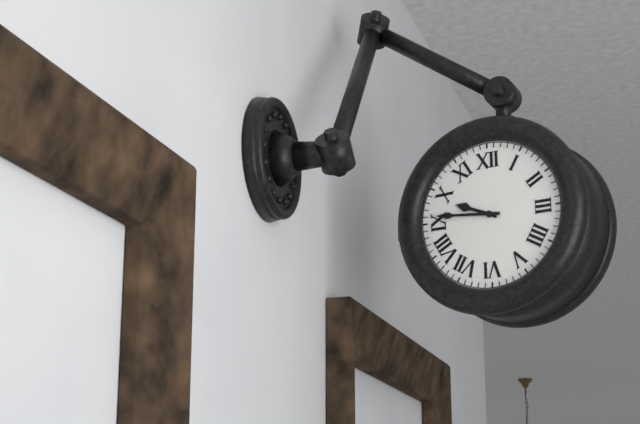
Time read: 9:46
